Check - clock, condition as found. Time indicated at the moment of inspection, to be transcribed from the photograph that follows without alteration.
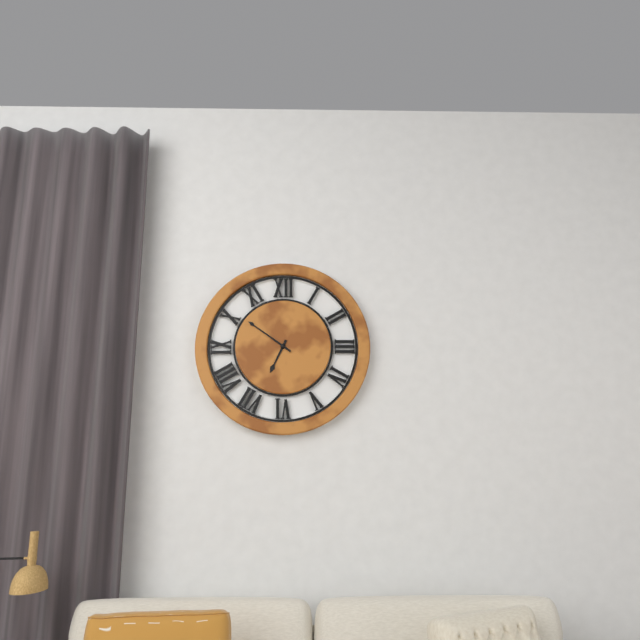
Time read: 6:51
